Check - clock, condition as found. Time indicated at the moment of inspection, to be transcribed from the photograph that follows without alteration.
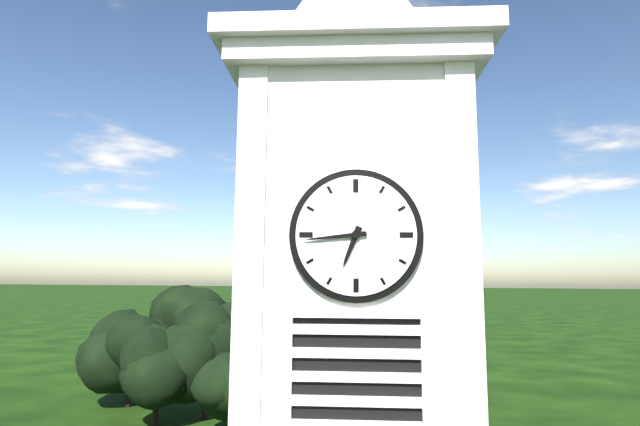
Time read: 6:44
